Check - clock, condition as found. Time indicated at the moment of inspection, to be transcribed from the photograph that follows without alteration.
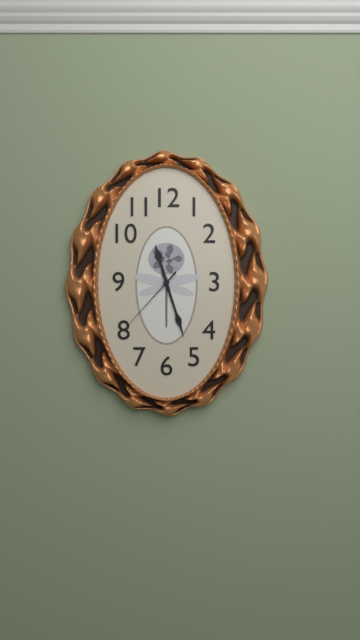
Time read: 11:27:37
